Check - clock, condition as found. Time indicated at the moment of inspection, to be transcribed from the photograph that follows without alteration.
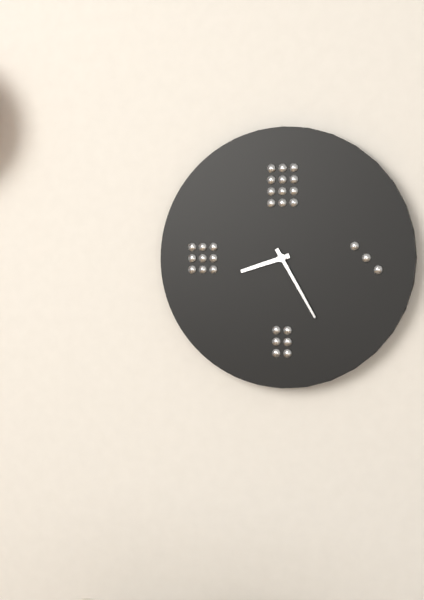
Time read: 8:25
